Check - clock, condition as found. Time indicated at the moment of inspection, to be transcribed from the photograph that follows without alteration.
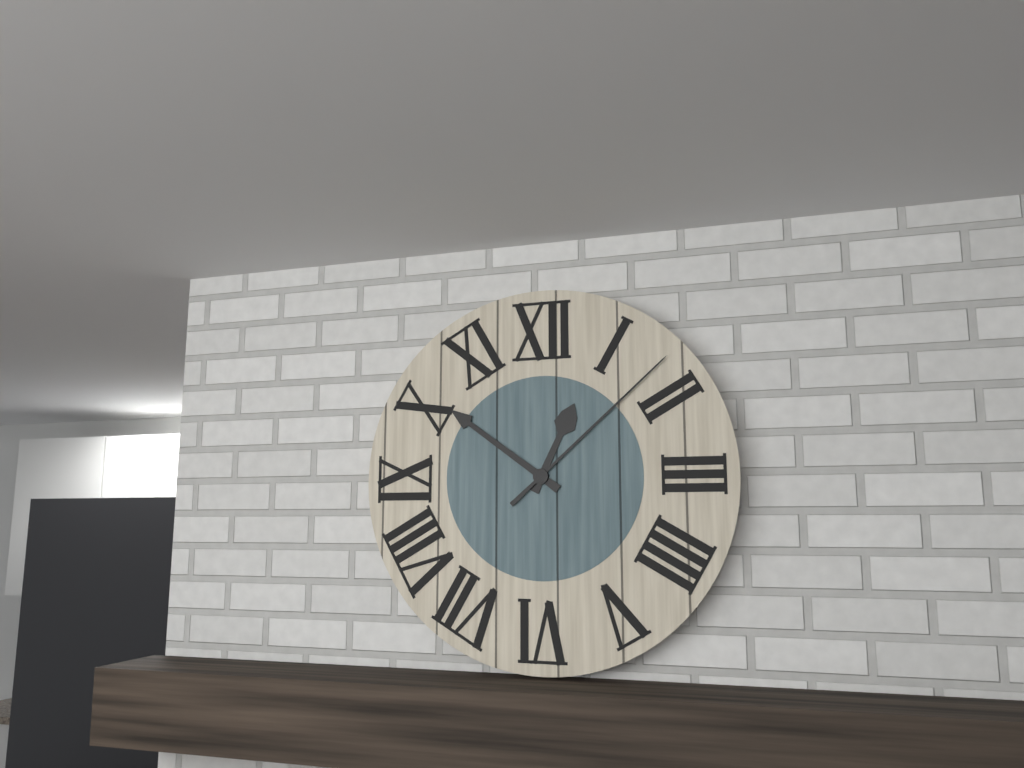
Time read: 12:51:08
